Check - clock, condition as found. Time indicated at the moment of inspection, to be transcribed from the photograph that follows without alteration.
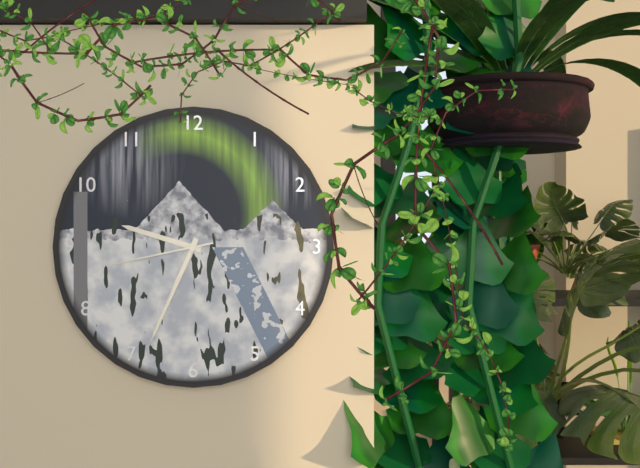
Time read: 9:34:43
